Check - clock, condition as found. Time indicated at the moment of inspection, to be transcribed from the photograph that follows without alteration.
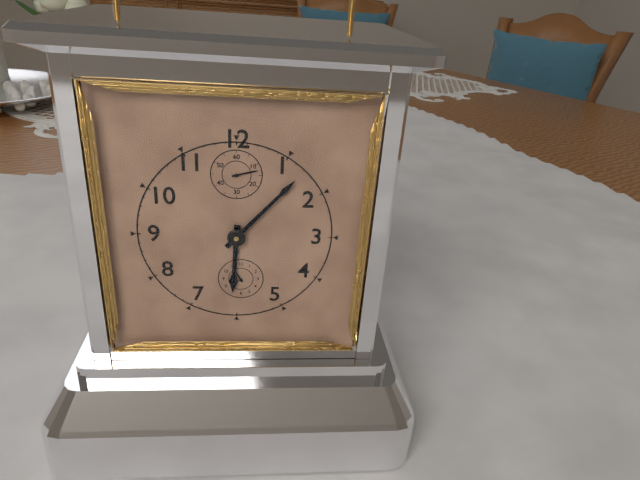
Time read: 6:07
